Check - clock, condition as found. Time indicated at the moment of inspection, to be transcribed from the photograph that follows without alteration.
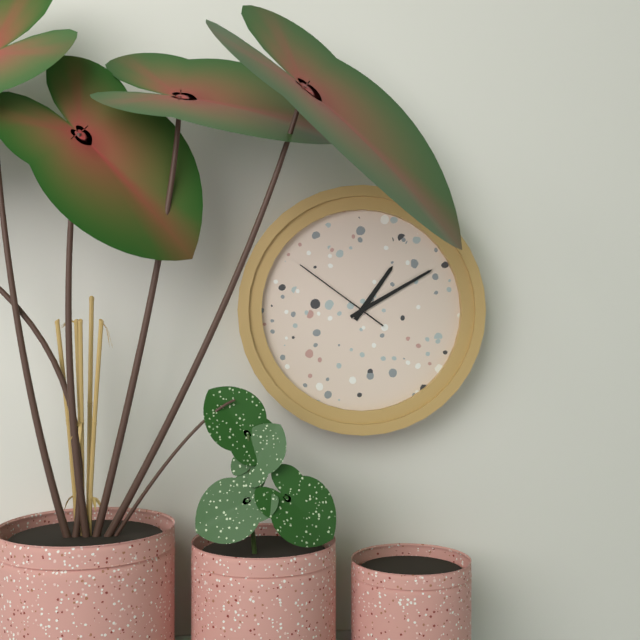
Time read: 1:10:51
